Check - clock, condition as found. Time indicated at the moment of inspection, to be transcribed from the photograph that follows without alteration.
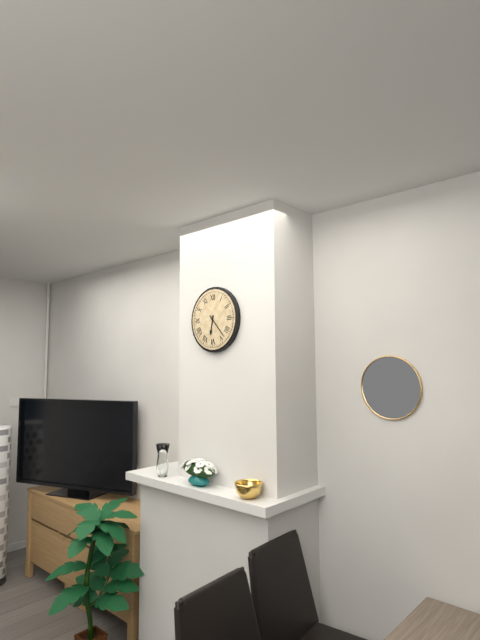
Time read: 6:23
